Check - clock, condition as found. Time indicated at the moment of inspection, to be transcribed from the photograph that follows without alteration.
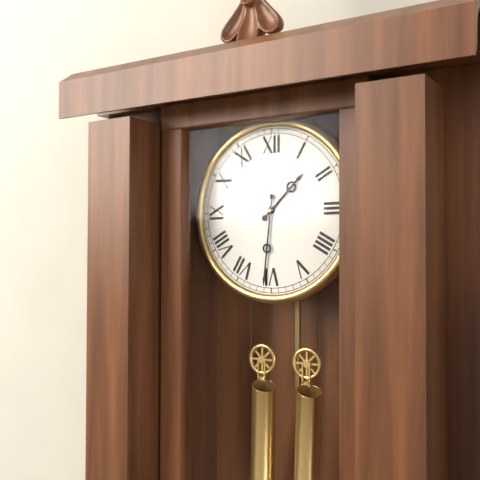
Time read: 1:31
